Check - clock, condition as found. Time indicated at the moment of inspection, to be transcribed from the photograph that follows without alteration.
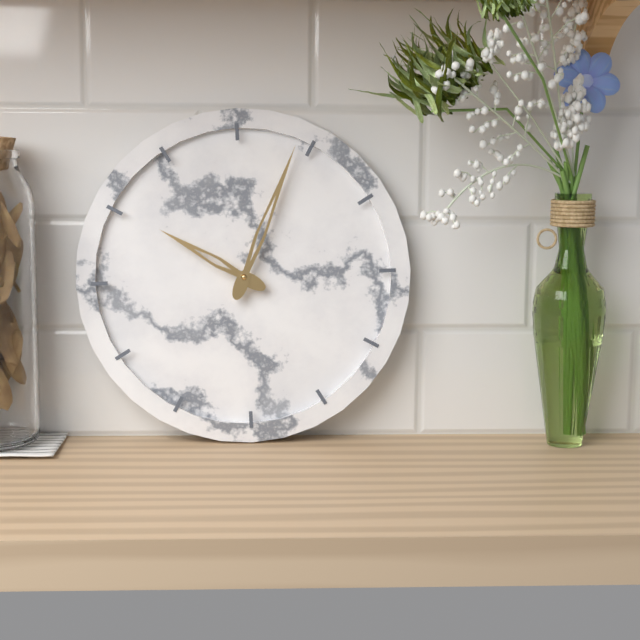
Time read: 10:04
